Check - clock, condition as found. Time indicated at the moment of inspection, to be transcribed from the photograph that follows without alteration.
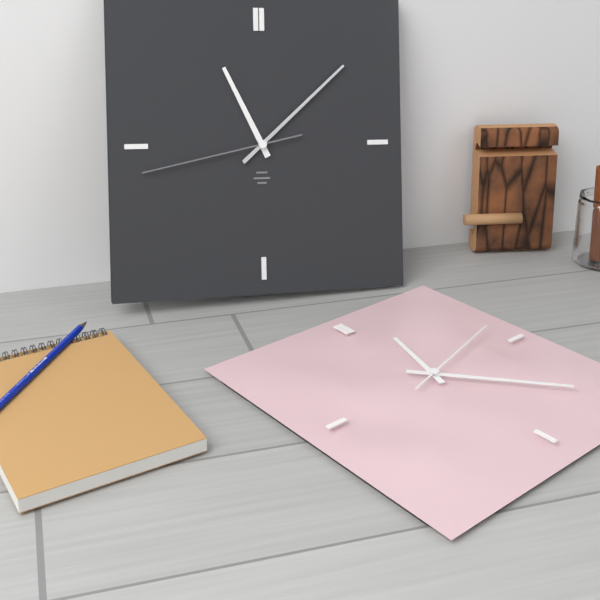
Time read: 11:08:43
